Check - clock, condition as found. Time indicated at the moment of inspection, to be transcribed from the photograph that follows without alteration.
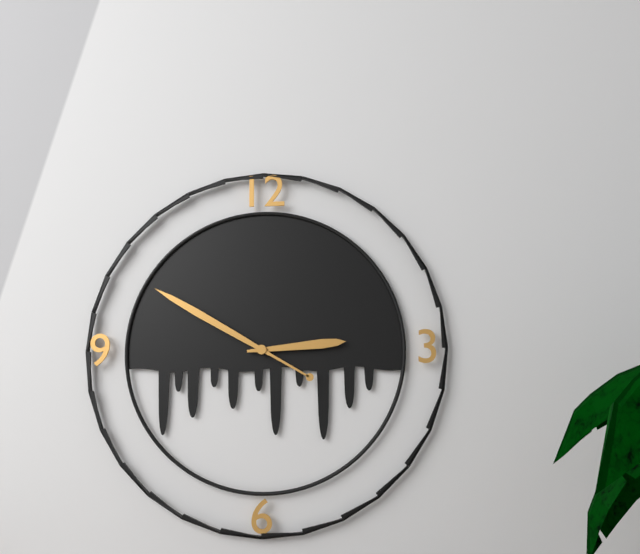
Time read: 2:50
